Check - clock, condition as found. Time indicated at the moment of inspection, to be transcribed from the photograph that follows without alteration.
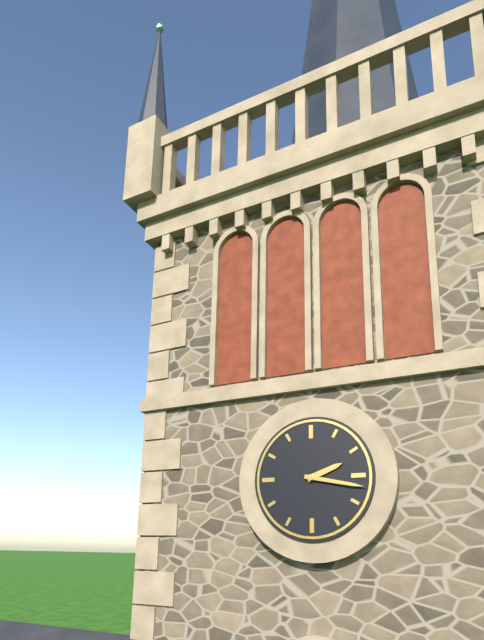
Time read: 2:17
